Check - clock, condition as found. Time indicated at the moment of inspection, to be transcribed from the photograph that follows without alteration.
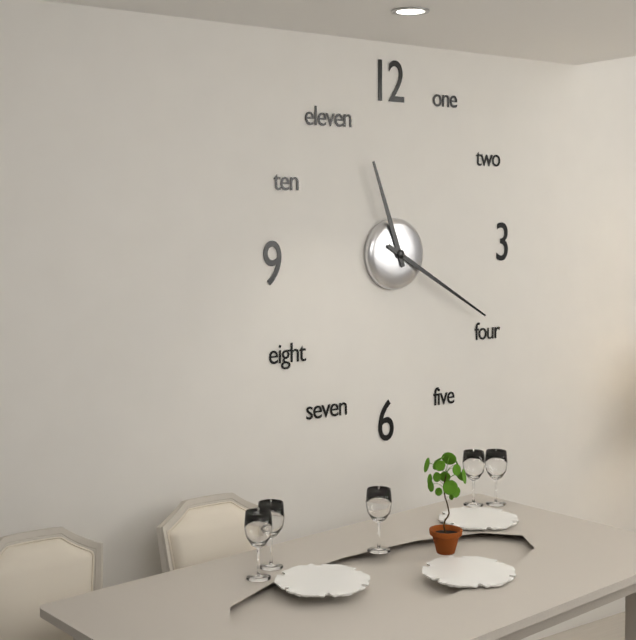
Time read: 11:20
